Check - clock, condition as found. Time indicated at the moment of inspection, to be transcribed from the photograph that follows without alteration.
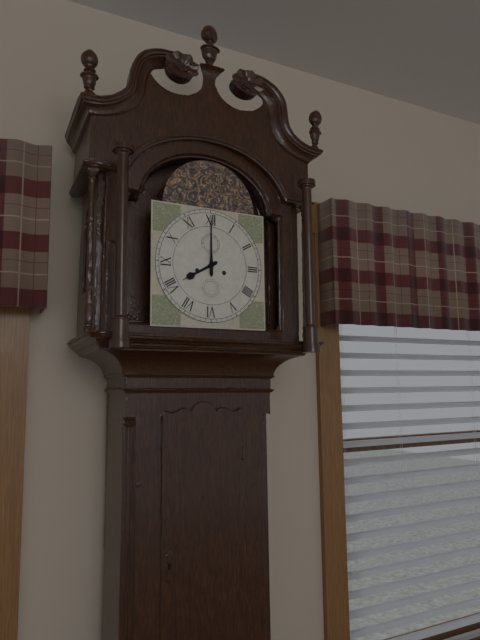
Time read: 8:00
